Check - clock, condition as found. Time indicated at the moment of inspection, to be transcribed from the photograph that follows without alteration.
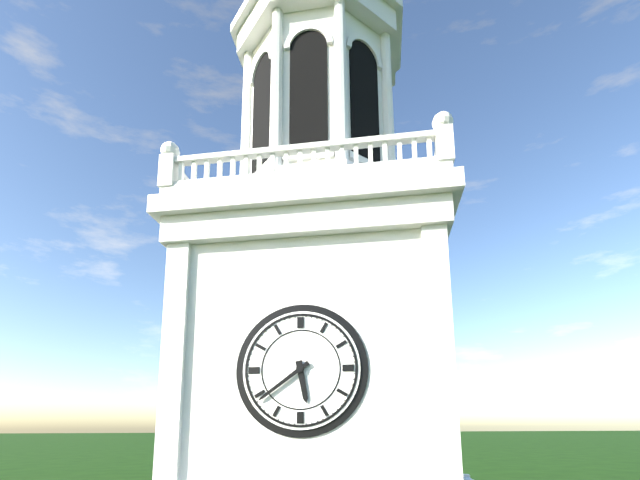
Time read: 5:39
